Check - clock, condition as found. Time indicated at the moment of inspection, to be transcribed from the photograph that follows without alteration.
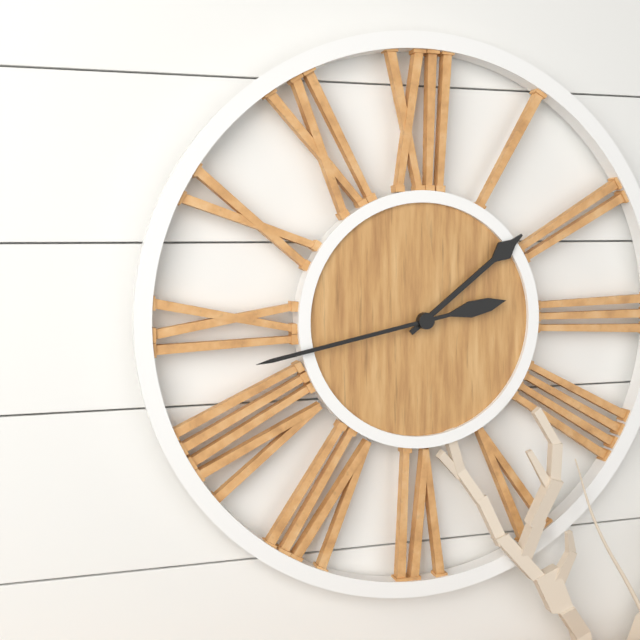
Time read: 1:43
